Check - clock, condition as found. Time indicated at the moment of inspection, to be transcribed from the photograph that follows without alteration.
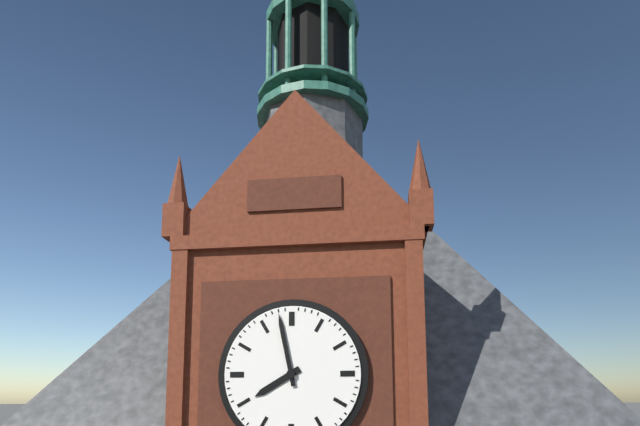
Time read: 7:58
